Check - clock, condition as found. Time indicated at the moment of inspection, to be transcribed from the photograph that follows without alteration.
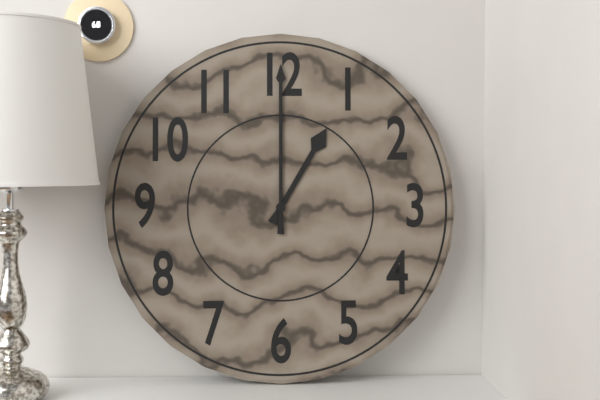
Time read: 1:00
